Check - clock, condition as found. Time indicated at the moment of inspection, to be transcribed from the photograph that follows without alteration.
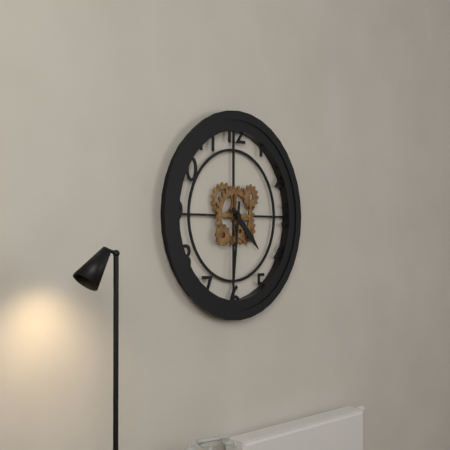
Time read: 4:31
